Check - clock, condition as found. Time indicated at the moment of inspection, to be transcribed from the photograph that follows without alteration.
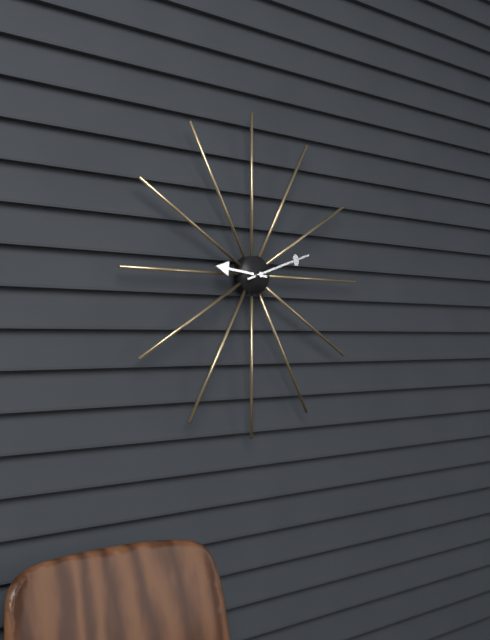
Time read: 9:12
